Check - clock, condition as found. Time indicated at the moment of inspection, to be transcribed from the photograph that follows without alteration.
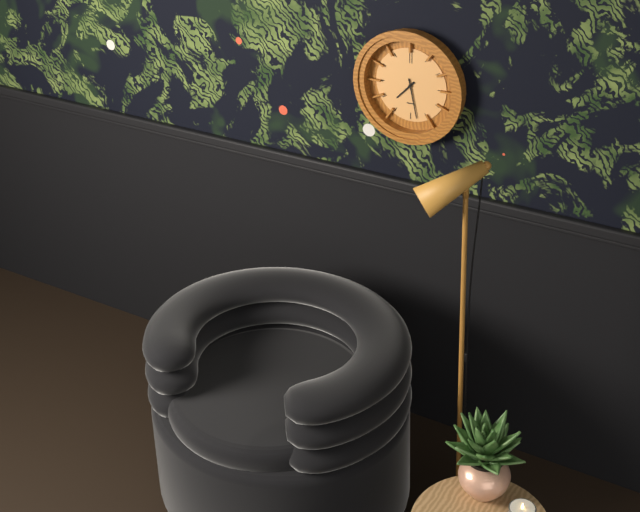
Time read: 7:28
